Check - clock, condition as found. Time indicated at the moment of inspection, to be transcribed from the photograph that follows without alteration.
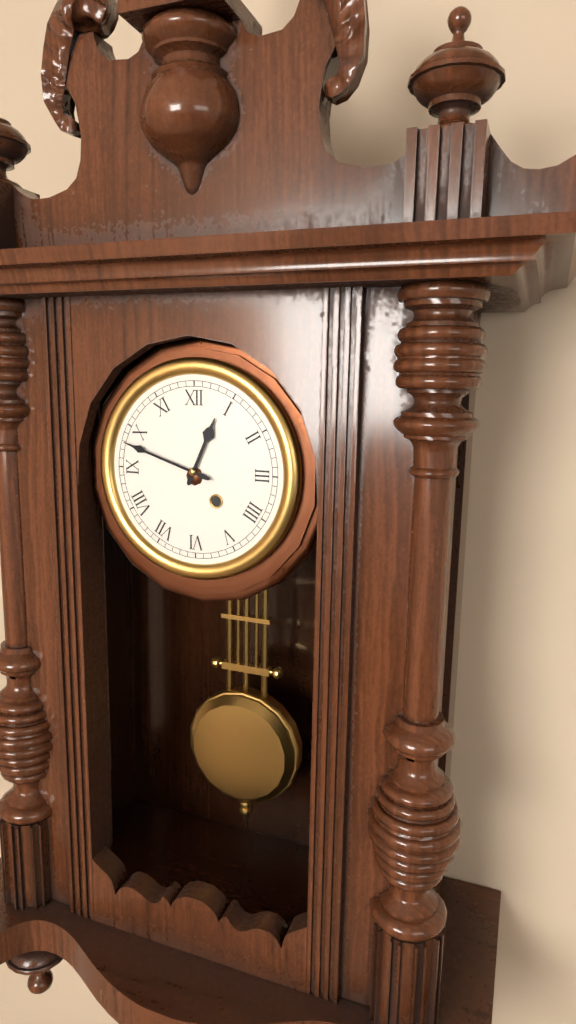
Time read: 12:48
